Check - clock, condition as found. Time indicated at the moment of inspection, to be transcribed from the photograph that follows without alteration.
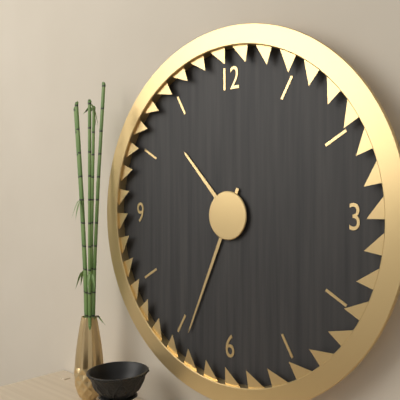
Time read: 10:34
